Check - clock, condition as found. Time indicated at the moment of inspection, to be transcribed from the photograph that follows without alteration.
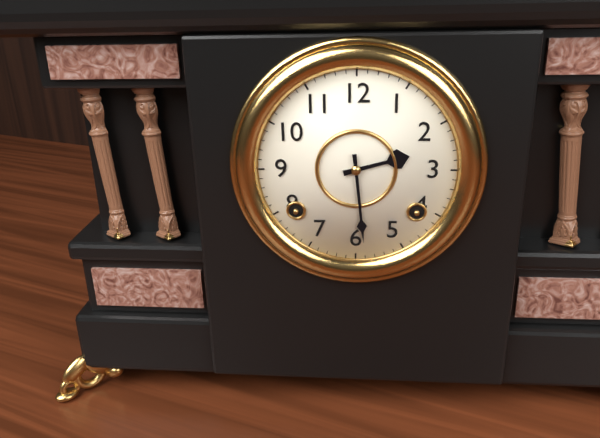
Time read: 2:29
